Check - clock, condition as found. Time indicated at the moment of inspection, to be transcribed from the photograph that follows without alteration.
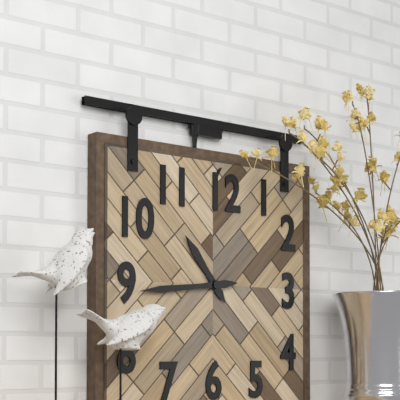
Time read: 10:44
